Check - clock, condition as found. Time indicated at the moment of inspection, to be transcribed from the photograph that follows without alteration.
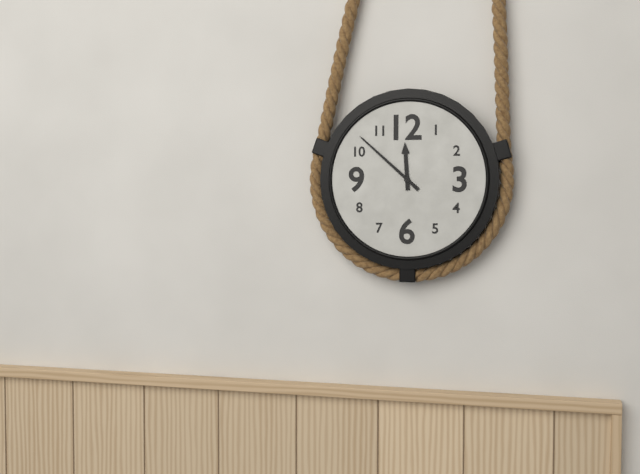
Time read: 11:52
